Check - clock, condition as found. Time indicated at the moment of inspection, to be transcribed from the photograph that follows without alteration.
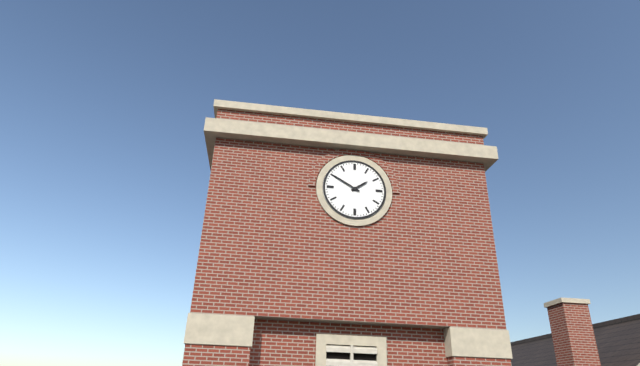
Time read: 1:50
